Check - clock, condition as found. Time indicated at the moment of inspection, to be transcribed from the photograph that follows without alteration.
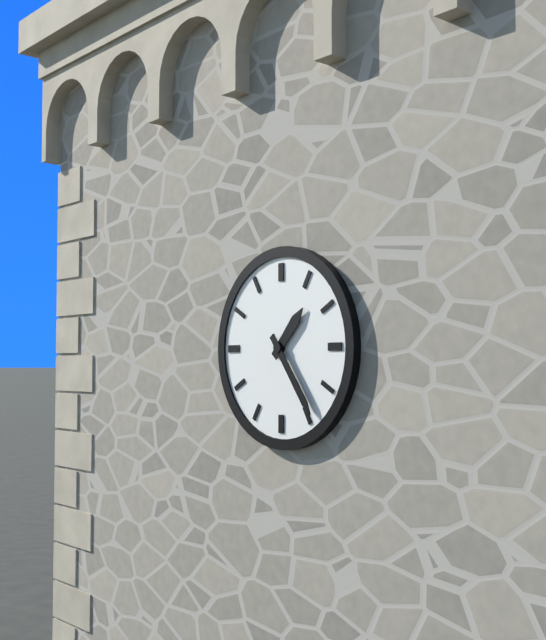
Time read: 1:24
